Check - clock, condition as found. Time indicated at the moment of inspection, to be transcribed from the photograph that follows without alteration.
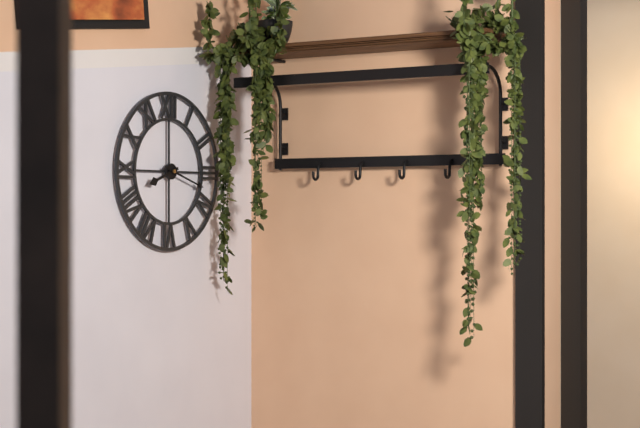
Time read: 8:18
